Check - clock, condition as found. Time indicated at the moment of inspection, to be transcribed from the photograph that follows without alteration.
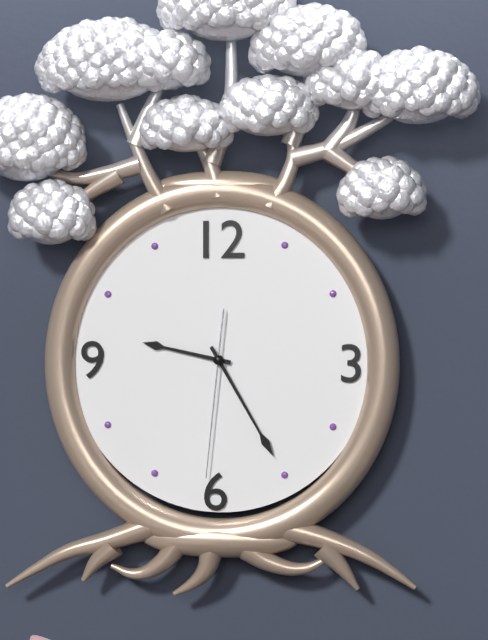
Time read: 9:25:31
